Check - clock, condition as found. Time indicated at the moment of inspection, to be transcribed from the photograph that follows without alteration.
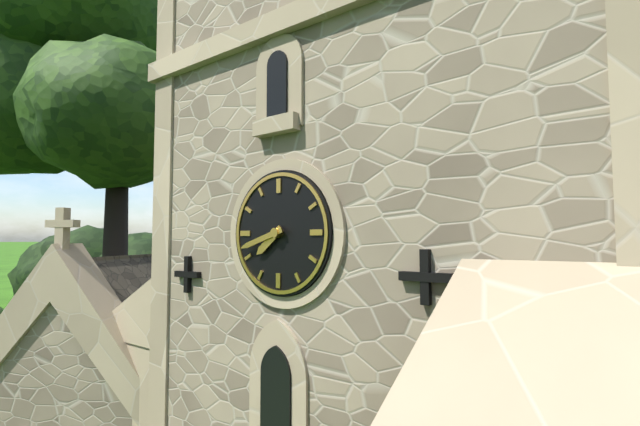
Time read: 7:42
